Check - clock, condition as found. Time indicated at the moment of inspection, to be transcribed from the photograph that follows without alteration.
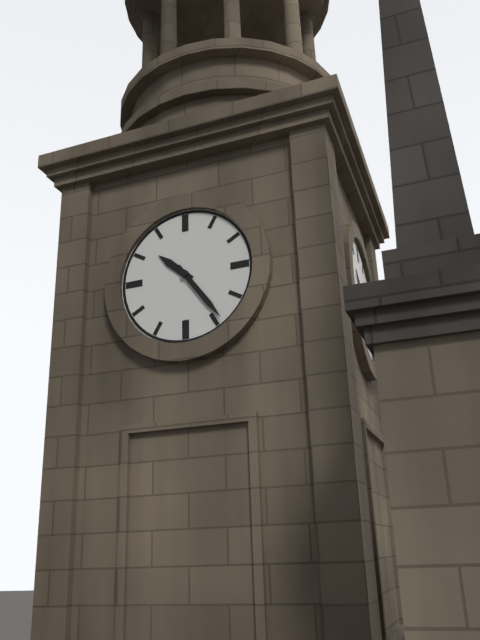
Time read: 10:24
